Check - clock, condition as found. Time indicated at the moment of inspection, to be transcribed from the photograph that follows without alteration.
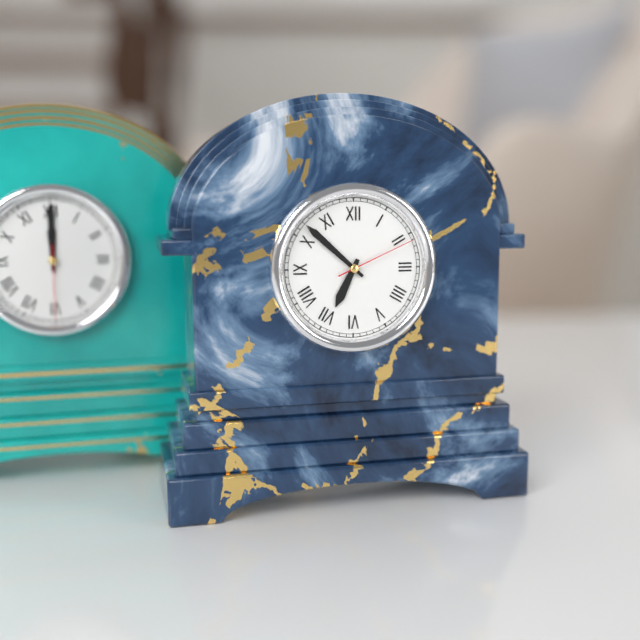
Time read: 6:52:11
